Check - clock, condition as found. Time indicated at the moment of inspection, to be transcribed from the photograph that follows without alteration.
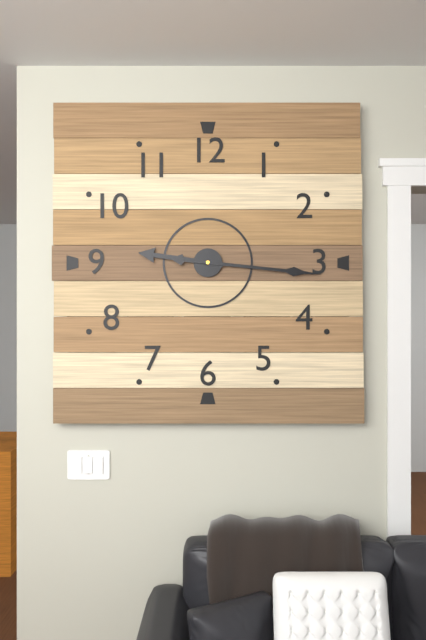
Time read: 9:16
